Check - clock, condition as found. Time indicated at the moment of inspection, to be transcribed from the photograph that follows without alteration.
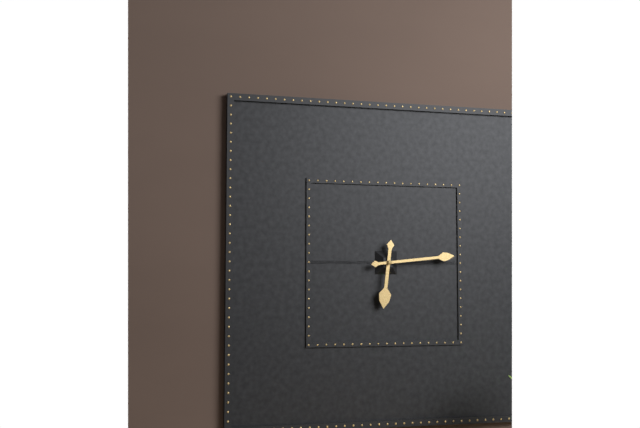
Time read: 6:14
